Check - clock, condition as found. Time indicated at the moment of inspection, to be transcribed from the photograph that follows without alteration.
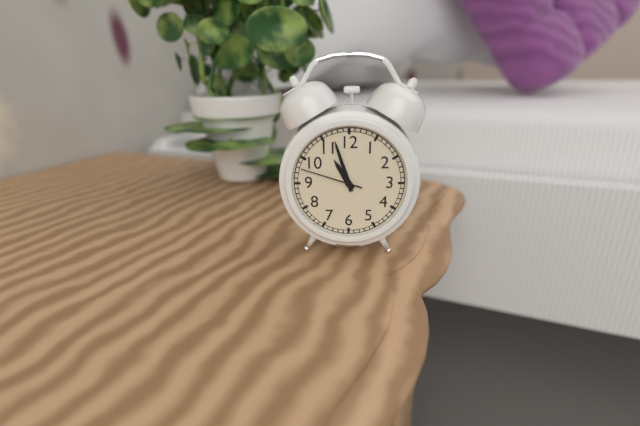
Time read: 10:57:48
